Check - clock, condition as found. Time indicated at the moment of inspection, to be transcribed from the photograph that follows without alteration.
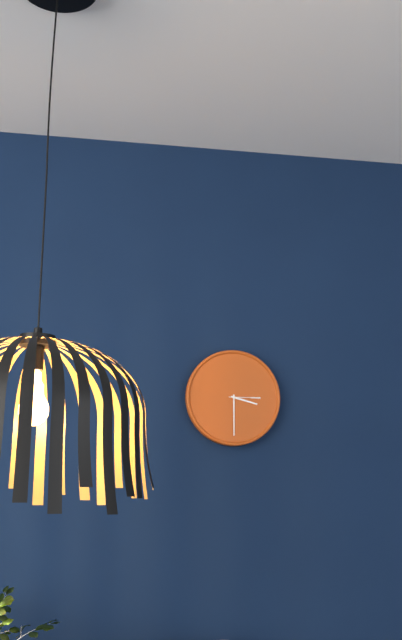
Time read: 3:30
